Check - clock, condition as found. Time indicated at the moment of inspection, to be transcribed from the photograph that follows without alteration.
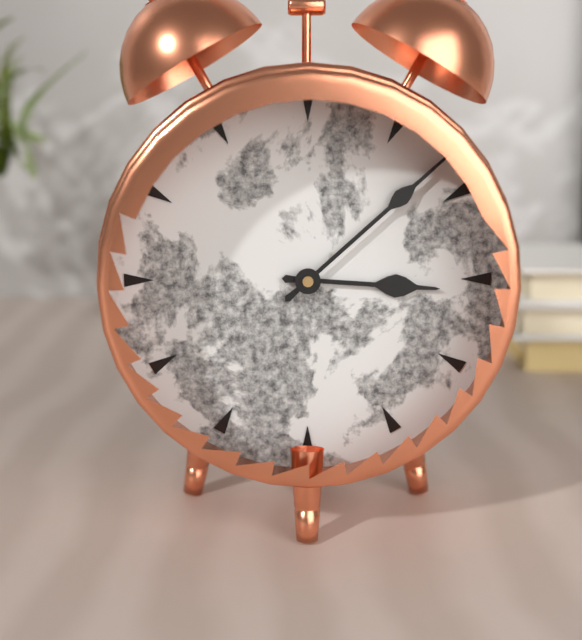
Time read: 3:08
